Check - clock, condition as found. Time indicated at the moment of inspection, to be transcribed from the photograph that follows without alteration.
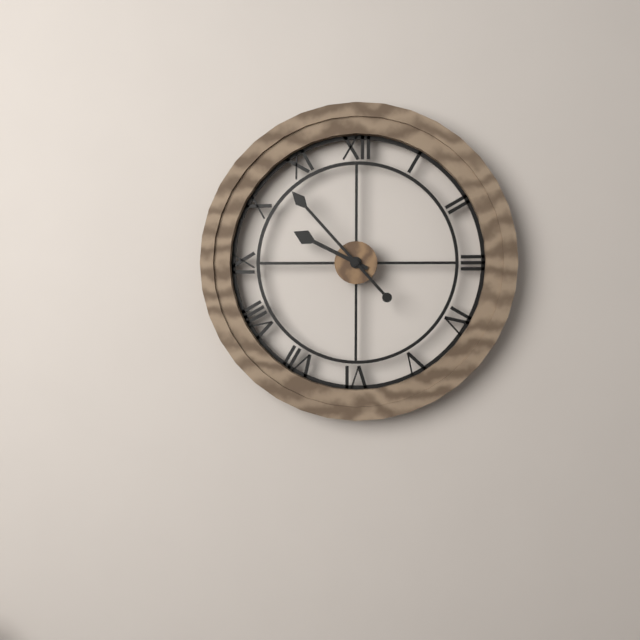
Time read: 9:53
